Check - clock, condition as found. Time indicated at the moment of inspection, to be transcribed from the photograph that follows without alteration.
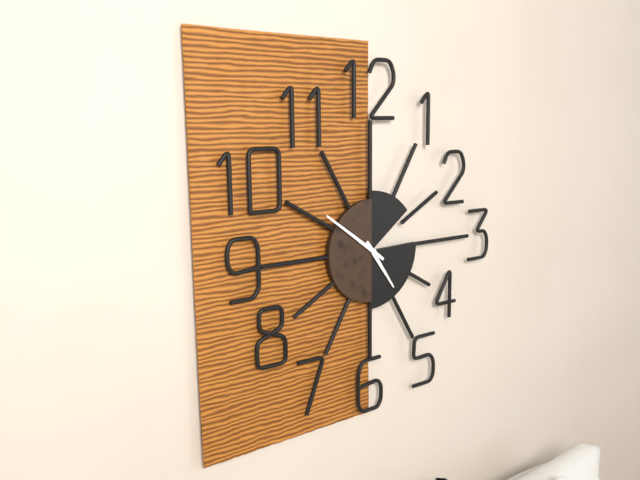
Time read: 4:51
